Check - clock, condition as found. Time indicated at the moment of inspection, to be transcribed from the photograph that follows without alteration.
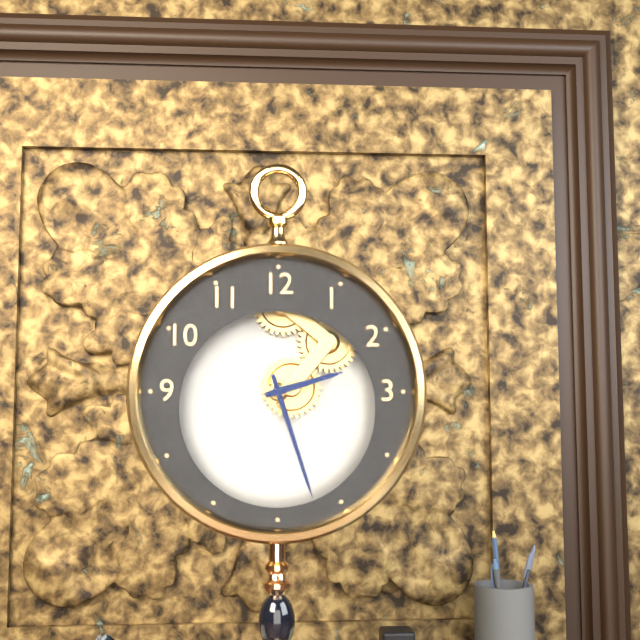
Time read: 2:27
